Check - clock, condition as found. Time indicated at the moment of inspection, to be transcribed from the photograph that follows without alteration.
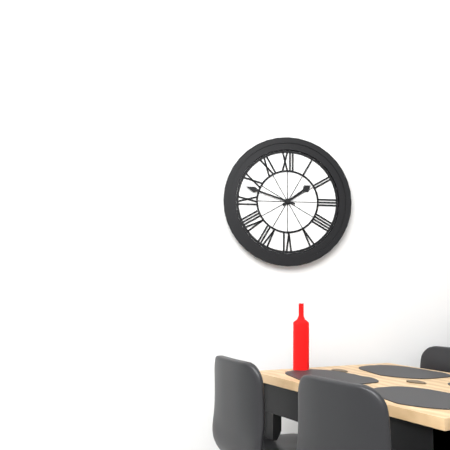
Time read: 1:48
